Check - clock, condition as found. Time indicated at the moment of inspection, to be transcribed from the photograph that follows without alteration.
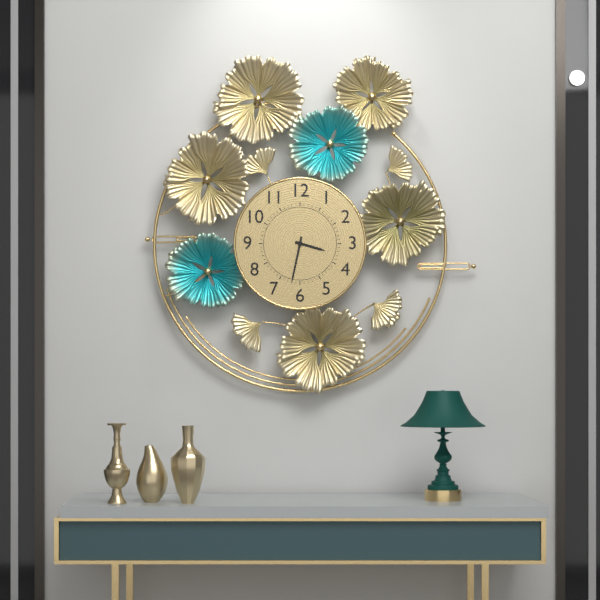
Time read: 3:32
